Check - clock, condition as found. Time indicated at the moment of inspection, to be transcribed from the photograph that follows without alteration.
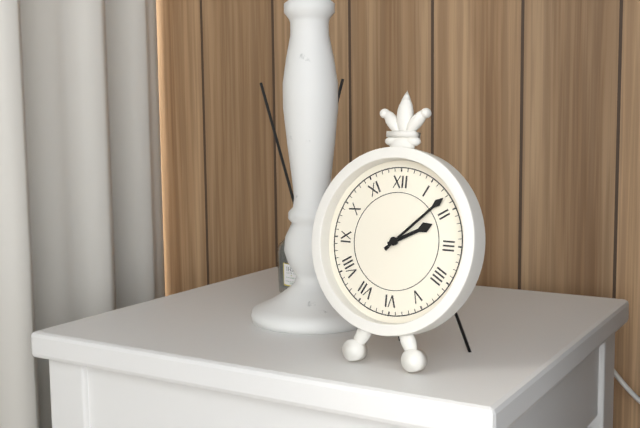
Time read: 2:08
